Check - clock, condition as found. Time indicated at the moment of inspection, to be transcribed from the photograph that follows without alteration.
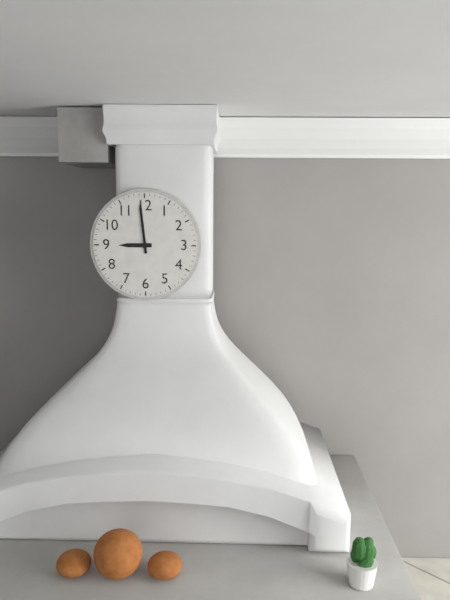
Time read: 8:59
